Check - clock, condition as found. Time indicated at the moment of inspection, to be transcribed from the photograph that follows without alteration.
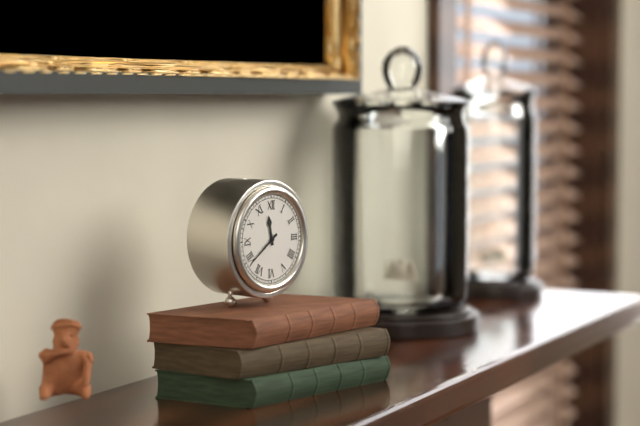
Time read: 11:39
